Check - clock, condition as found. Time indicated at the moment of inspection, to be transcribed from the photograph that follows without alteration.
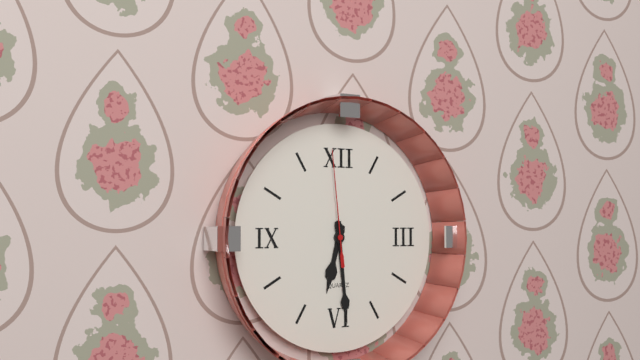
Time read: 6:29:59
